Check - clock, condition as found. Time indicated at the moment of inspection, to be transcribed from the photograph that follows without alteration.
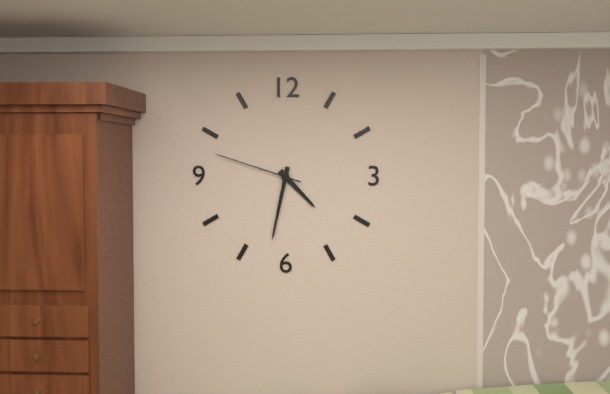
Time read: 4:32:48
